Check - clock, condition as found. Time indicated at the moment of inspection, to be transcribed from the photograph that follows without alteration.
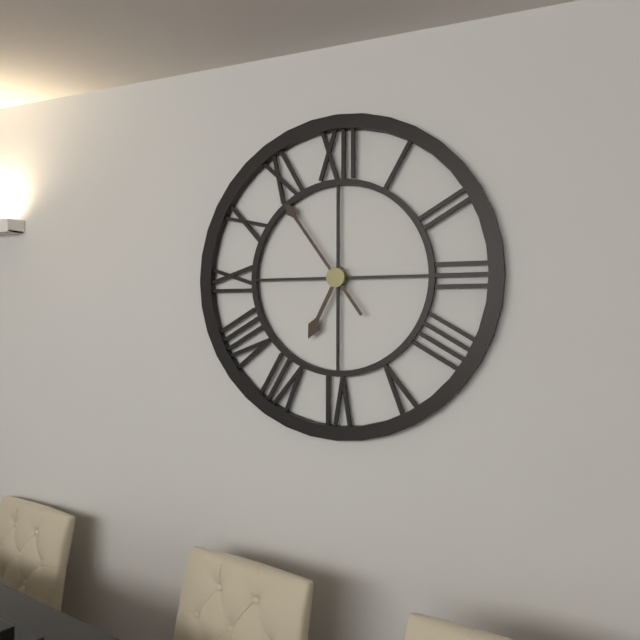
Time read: 6:54
